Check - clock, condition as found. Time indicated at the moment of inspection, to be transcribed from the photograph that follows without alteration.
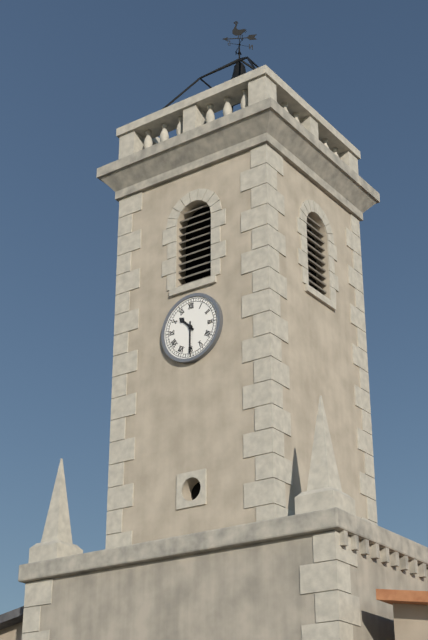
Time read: 10:30
